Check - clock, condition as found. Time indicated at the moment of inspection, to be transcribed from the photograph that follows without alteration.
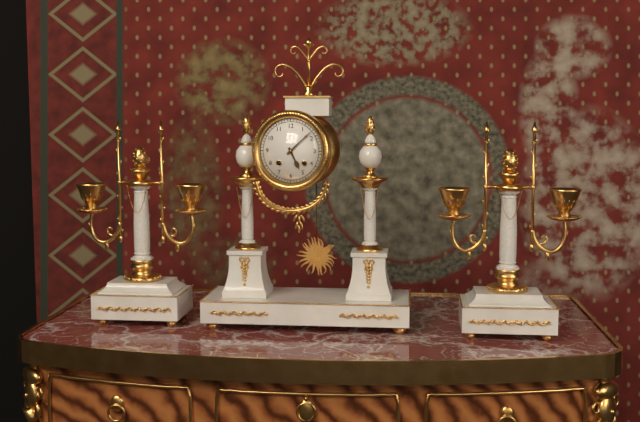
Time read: 5:08
